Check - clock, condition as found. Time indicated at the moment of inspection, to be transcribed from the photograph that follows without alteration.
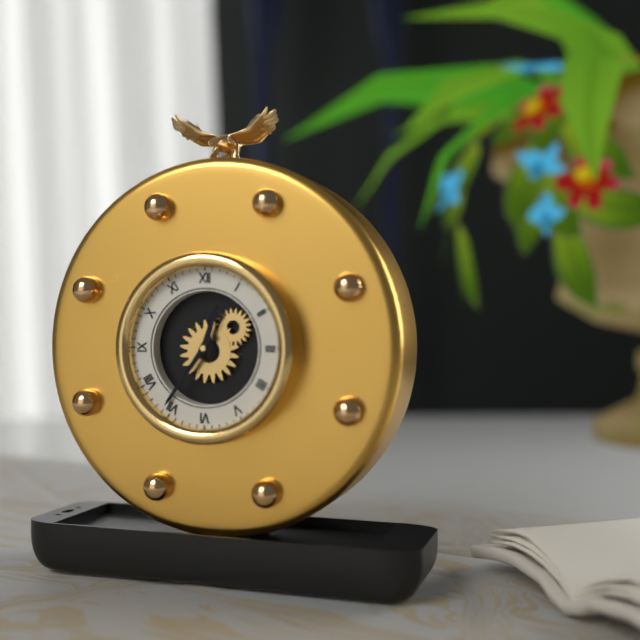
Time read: 12:36
